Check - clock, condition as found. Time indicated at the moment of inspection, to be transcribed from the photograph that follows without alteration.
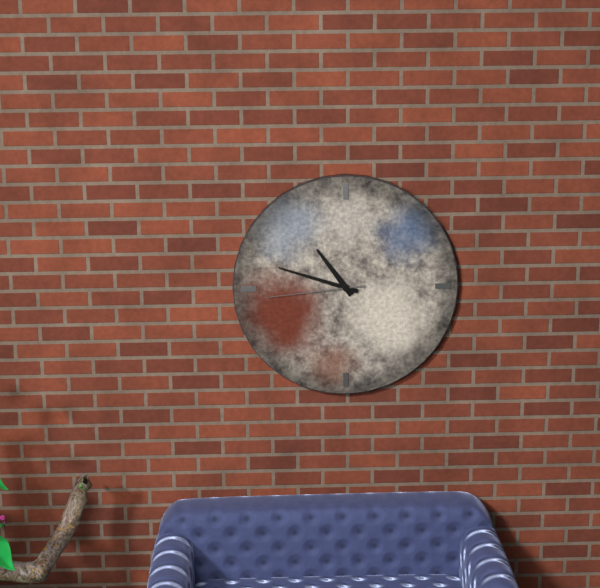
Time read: 10:48:44
